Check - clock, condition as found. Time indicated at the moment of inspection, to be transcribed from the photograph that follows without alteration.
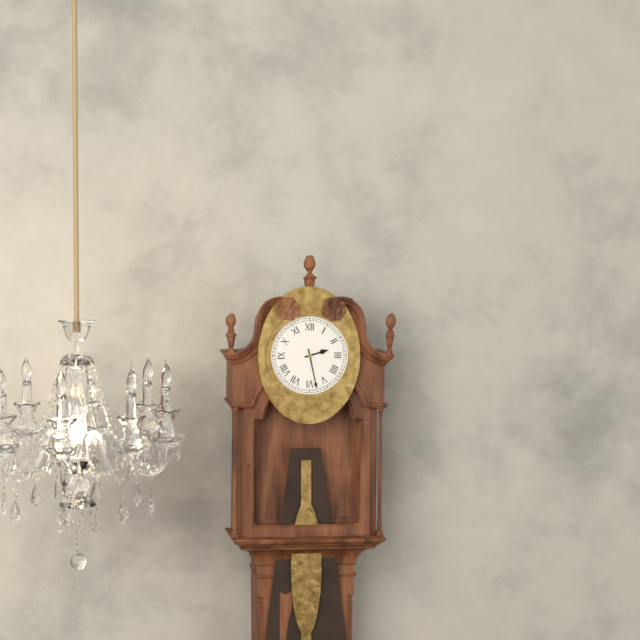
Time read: 2:28
